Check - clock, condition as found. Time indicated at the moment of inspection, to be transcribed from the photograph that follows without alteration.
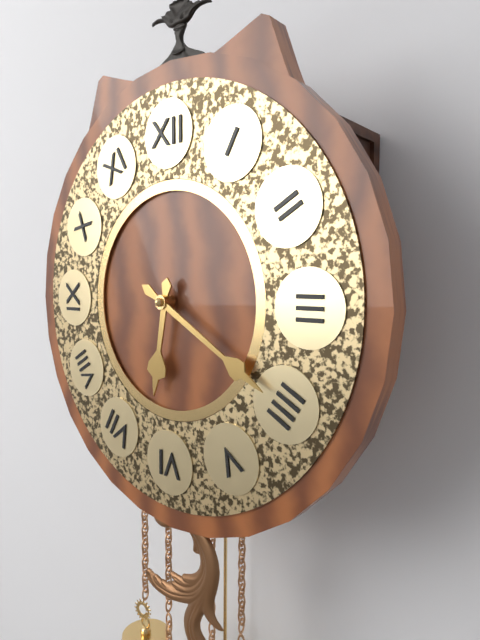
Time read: 6:20
